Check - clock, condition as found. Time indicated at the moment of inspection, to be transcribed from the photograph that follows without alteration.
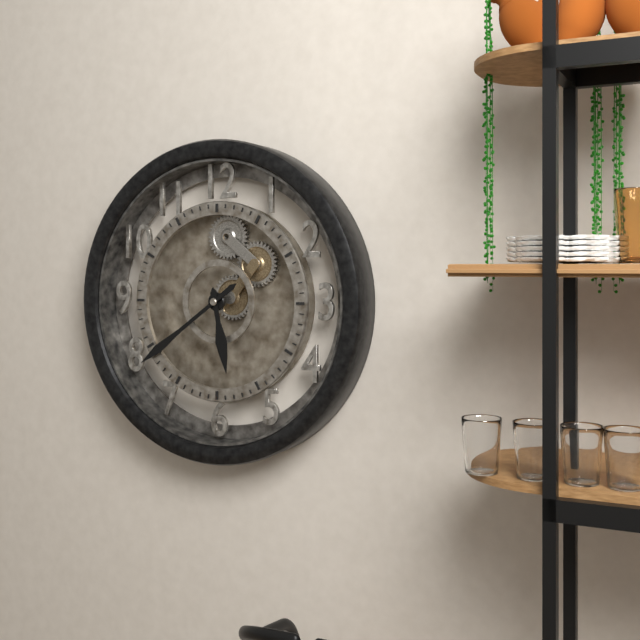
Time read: 5:39
